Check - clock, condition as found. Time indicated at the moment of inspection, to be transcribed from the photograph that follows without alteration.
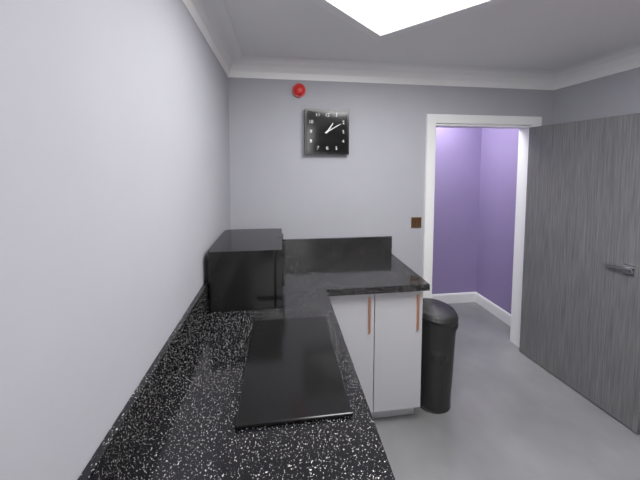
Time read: 1:10
